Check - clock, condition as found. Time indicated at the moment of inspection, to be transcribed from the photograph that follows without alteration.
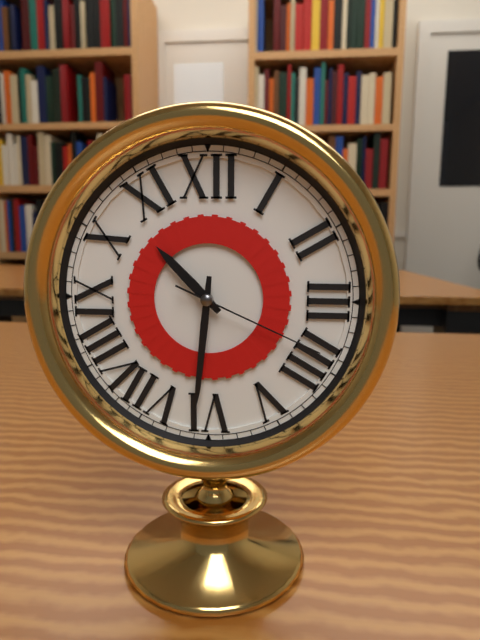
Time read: 10:31:19
